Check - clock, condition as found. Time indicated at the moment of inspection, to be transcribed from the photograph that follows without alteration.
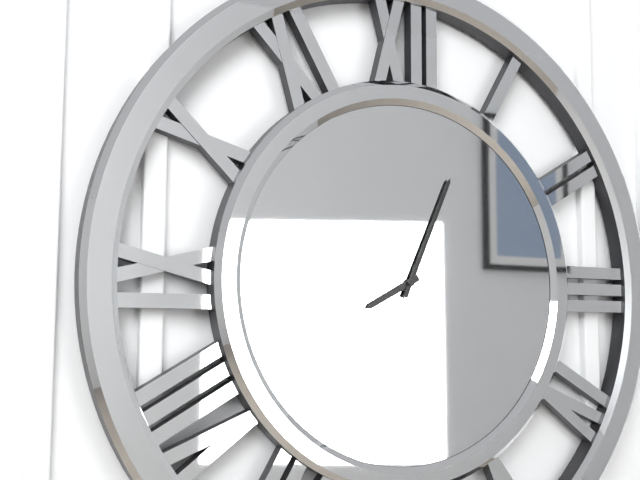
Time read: 8:04
